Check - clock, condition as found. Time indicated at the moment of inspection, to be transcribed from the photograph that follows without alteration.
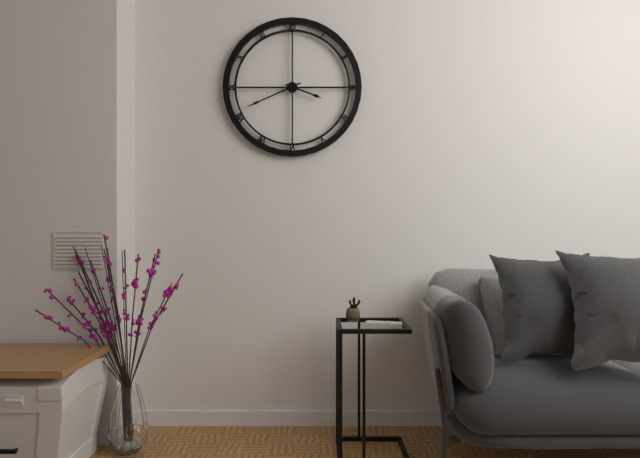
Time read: 3:41
